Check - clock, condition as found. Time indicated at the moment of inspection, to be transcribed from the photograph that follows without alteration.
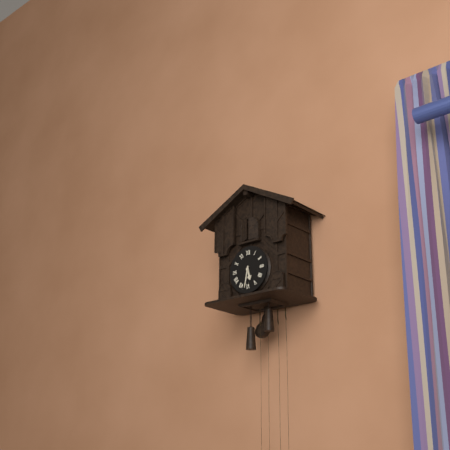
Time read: 5:32
